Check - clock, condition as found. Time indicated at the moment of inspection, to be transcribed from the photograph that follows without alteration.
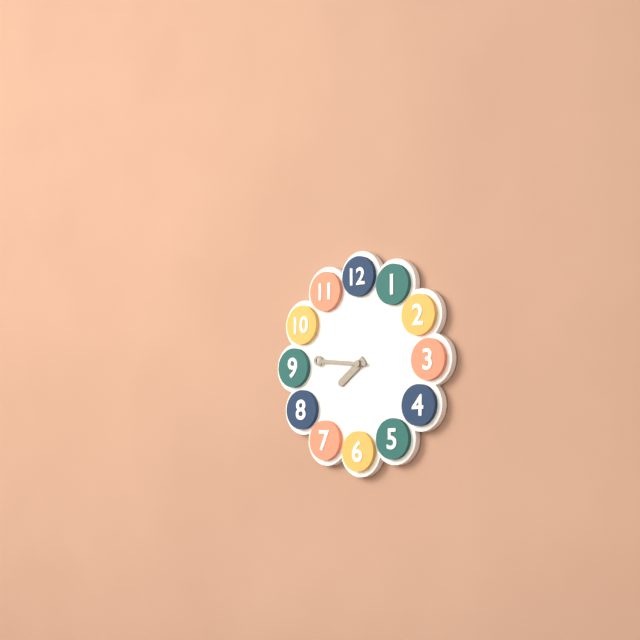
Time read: 7:46
